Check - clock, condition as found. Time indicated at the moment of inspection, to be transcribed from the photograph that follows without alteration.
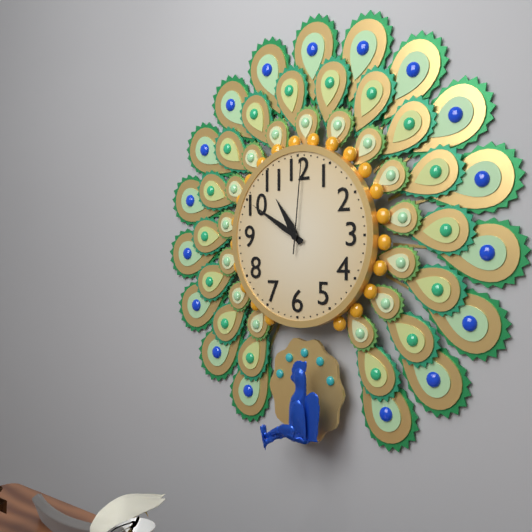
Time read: 10:50:01
